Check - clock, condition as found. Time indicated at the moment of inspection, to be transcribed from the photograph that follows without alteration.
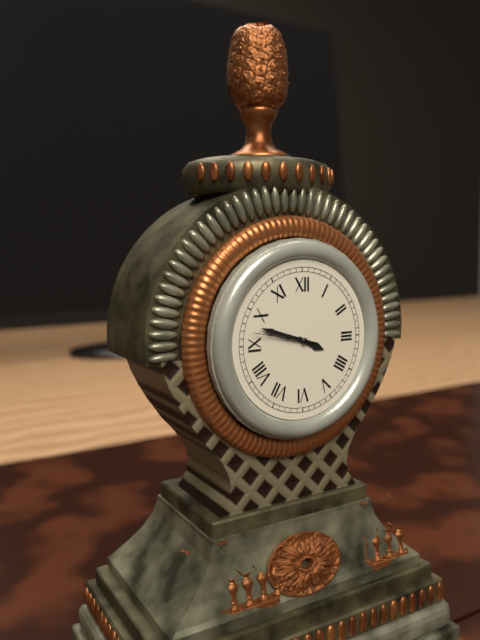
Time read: 3:48:47
